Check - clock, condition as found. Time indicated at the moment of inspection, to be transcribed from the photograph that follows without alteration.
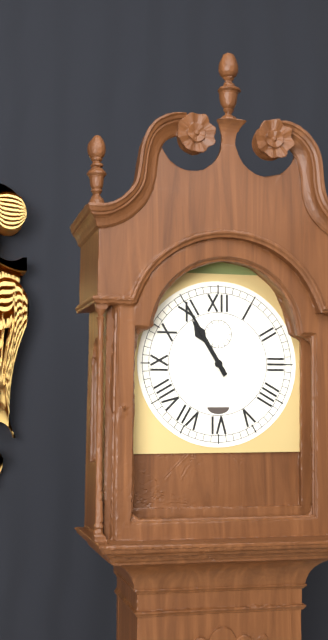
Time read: 10:55
